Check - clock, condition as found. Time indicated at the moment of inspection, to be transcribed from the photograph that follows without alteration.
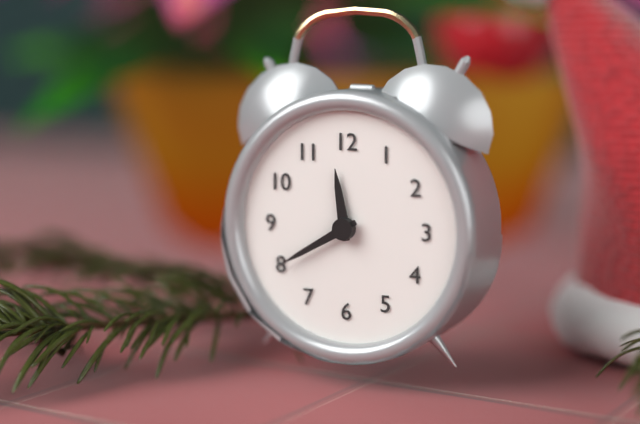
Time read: 11:40
